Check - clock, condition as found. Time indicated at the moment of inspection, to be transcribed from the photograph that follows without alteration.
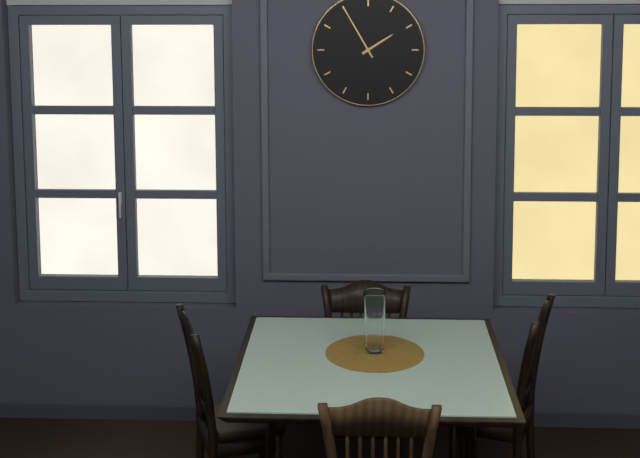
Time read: 1:55
